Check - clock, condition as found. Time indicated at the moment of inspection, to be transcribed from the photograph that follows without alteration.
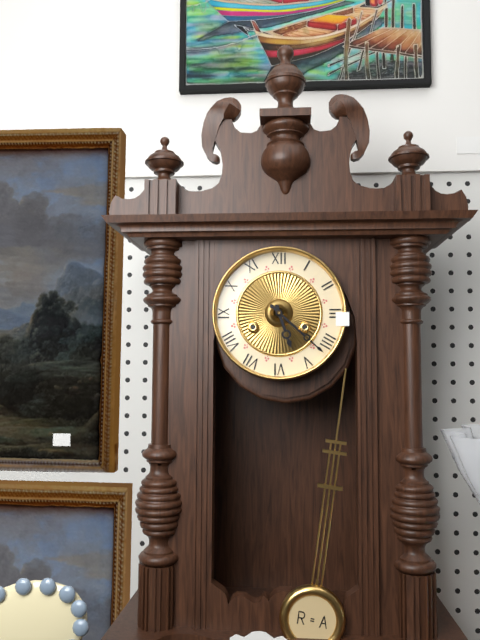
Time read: 5:22
